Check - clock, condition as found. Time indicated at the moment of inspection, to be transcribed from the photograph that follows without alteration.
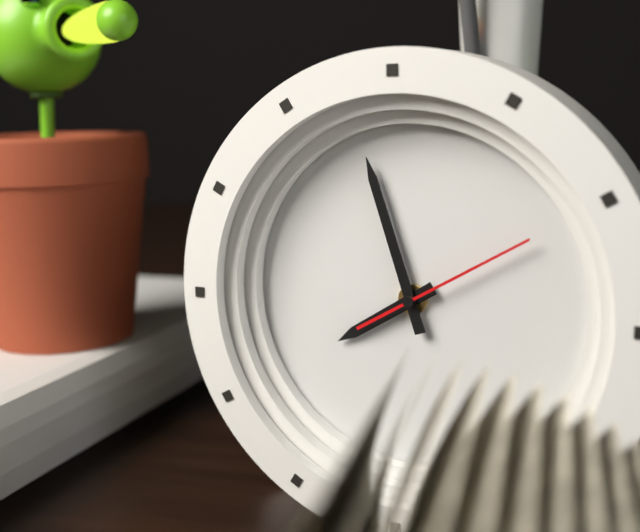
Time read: 7:57:10
